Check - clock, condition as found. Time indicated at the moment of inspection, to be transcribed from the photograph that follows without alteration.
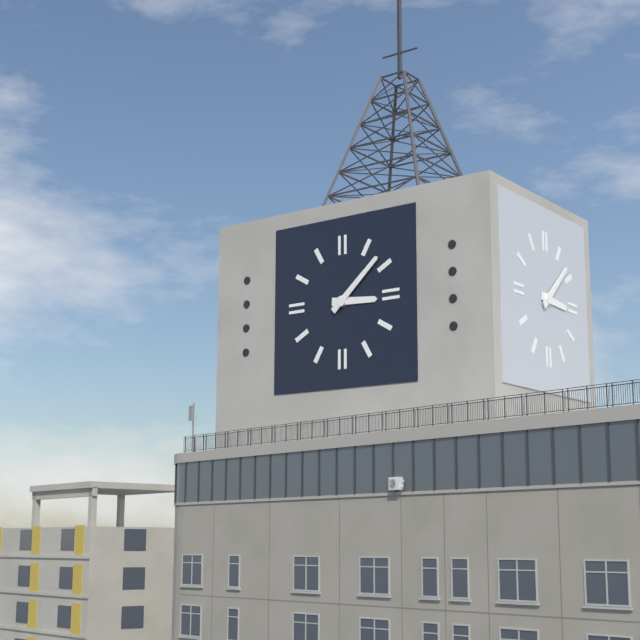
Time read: 3:08
